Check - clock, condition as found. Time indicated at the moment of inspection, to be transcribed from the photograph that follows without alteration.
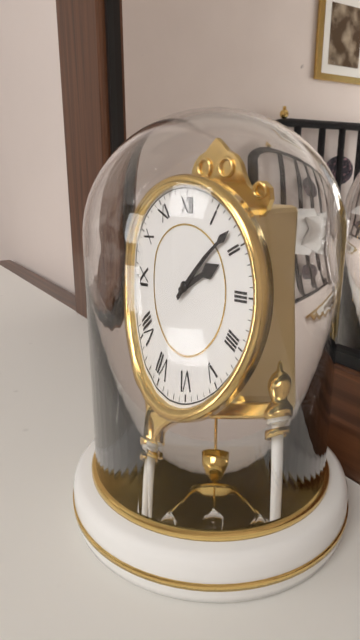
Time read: 2:08
